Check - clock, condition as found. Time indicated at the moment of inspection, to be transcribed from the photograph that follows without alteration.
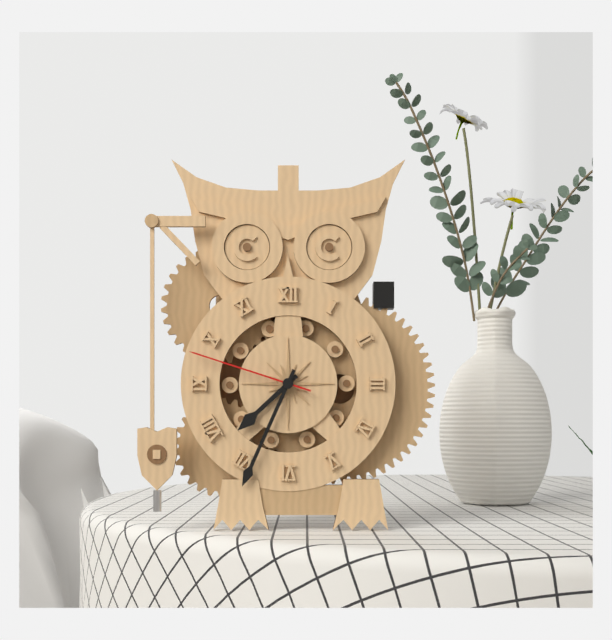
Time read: 7:34:48
